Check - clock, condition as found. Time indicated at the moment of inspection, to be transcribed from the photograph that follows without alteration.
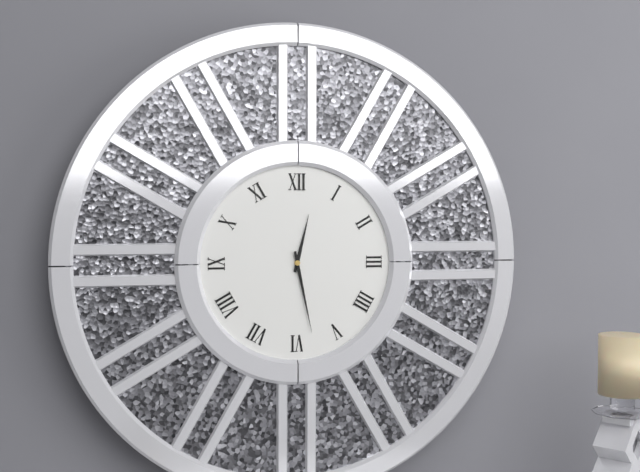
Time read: 12:28
